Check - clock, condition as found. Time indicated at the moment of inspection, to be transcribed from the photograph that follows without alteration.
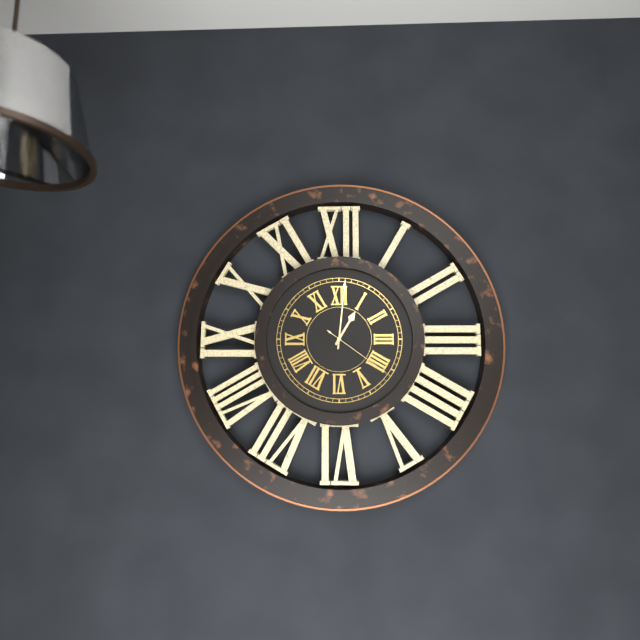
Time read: 1:01:21
